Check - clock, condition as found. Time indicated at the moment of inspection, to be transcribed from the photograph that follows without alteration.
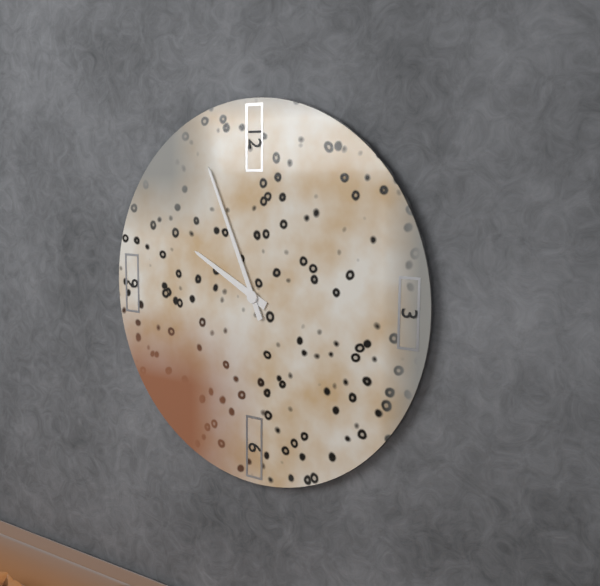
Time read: 9:56
